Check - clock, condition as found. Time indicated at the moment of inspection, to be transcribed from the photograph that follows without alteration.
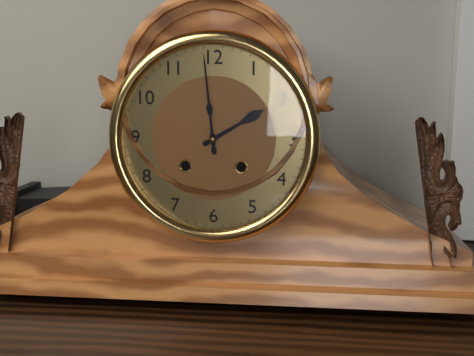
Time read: 1:59
